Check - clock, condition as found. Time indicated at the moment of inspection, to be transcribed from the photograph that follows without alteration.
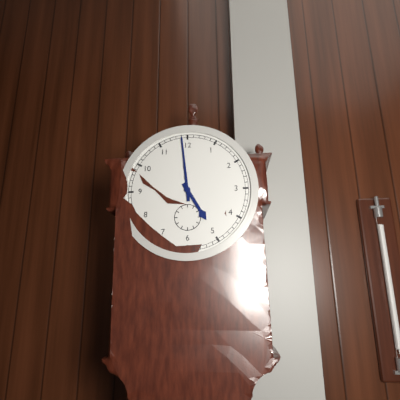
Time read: 4:59
